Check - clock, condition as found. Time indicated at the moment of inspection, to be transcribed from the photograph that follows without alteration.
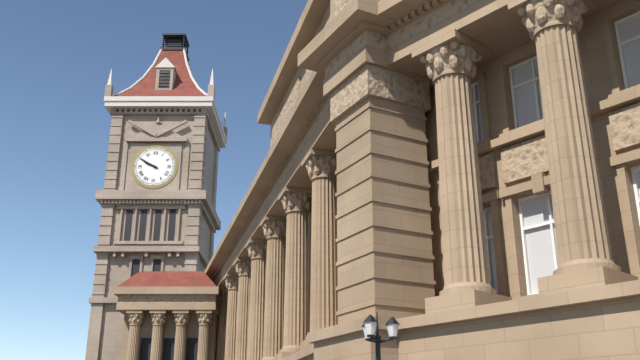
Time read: 9:50
